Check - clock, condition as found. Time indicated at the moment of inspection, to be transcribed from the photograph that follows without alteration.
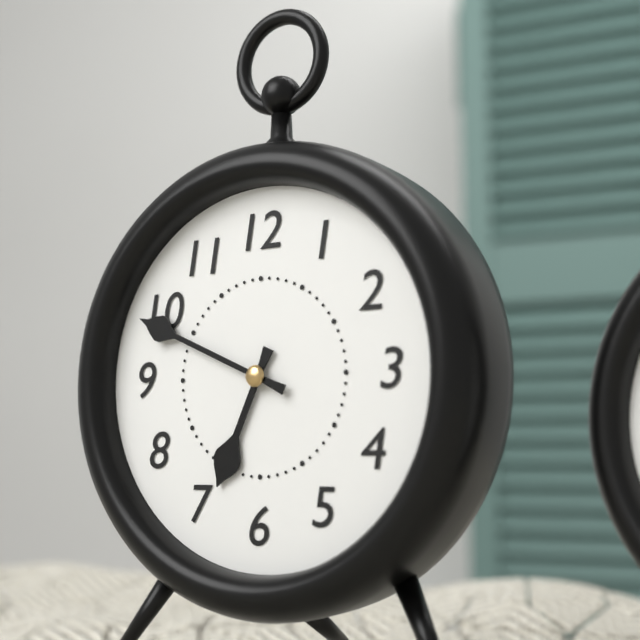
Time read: 6:49
